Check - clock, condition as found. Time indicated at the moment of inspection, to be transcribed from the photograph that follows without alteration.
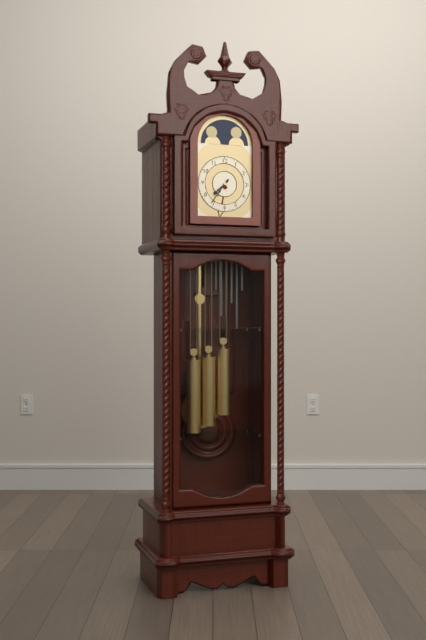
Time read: 7:36
